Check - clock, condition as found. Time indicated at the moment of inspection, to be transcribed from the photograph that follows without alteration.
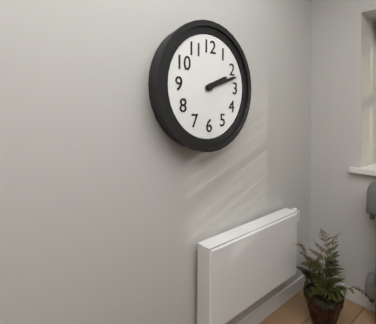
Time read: 2:12
